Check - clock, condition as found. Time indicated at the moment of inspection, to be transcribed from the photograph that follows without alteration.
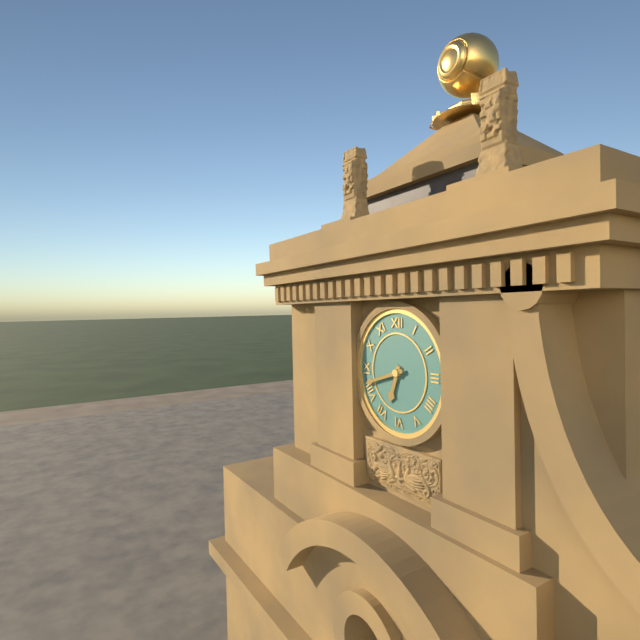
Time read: 6:42
